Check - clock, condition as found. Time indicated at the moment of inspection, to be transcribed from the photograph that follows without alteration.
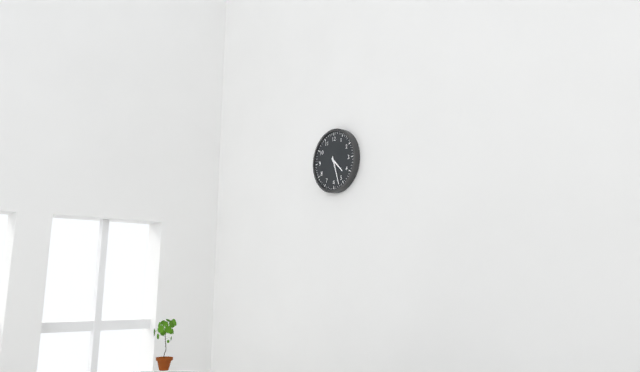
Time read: 4:27
